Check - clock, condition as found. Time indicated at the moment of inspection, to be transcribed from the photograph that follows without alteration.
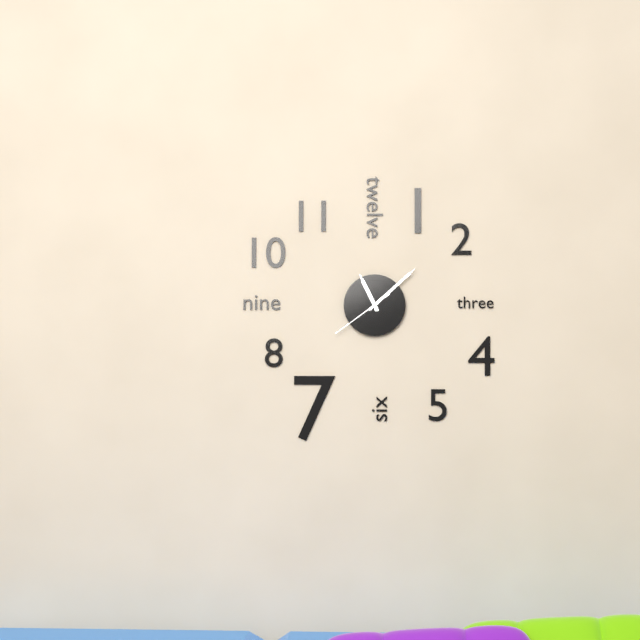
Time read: 11:08:39
